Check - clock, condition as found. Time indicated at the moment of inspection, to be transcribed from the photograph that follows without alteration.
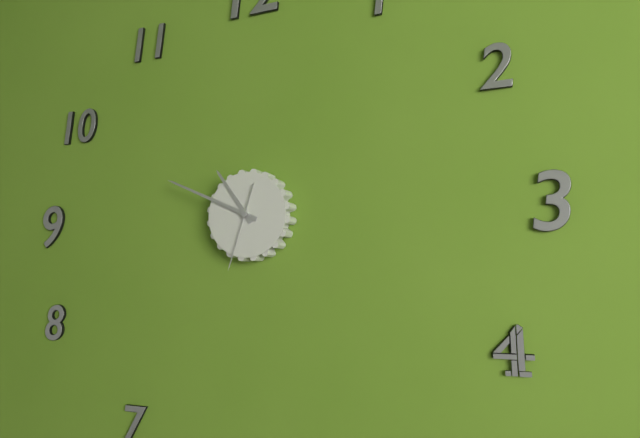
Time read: 10:49:33
